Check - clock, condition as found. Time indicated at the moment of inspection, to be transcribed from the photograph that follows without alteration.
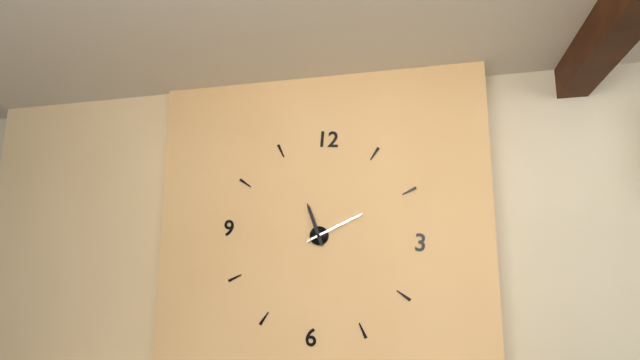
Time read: 11:10
